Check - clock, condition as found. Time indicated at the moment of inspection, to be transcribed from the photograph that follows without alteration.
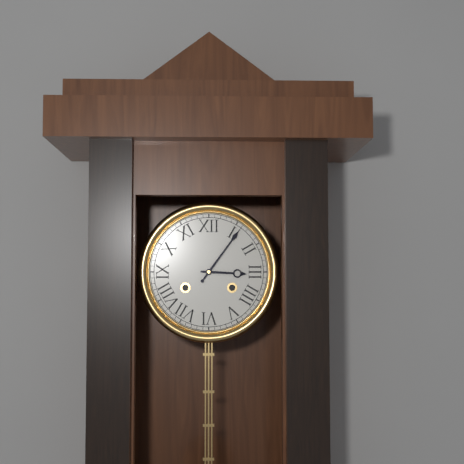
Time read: 3:06
